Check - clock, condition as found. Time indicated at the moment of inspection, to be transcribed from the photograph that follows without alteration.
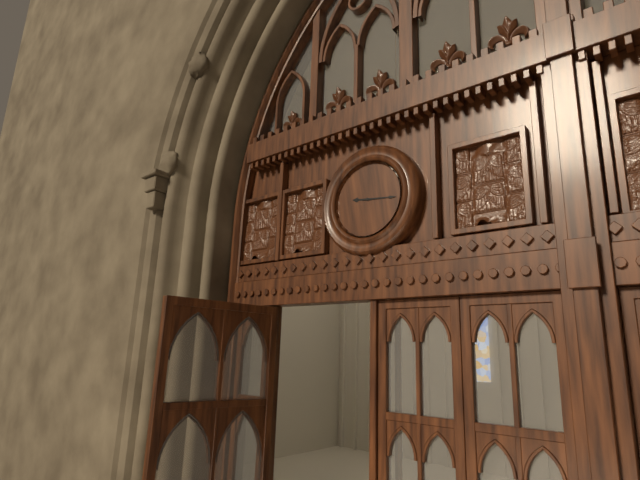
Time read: 9:16
